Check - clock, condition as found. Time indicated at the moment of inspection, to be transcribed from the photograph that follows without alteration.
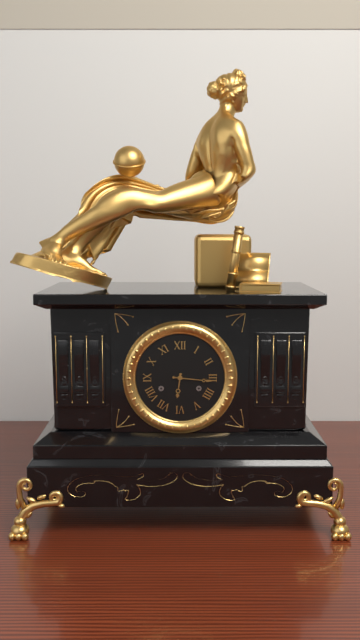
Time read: 6:16
